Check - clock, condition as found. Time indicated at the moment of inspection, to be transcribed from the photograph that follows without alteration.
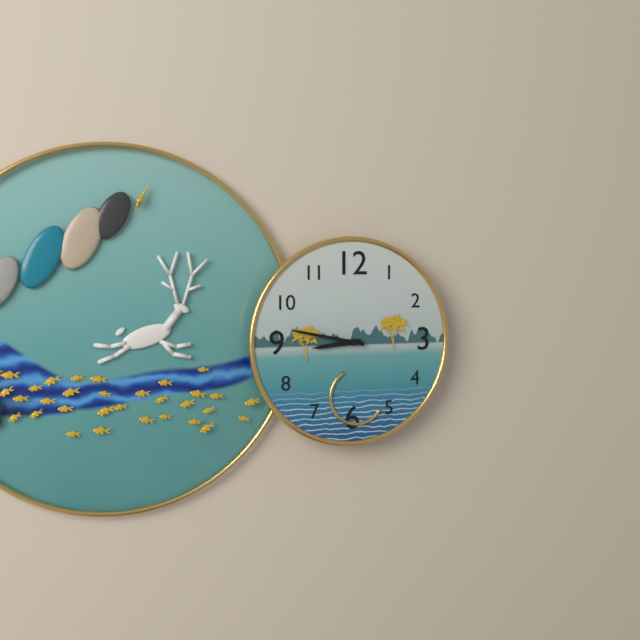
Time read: 8:47
